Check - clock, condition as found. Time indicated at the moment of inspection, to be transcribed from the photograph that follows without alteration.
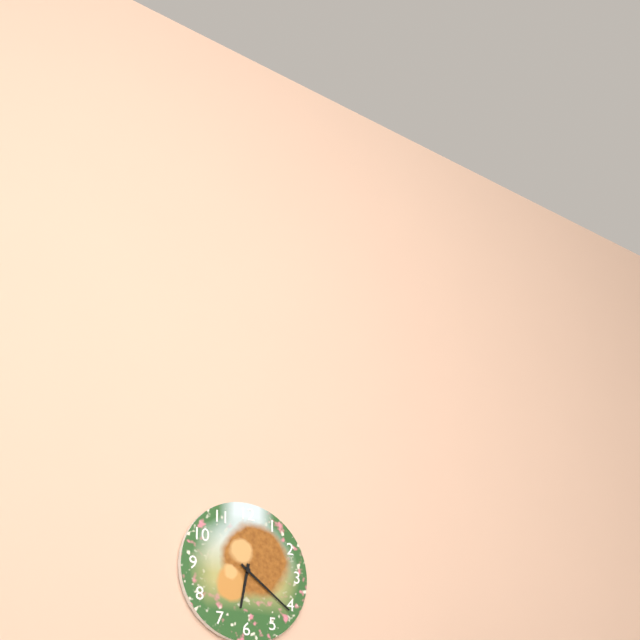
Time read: 6:21
